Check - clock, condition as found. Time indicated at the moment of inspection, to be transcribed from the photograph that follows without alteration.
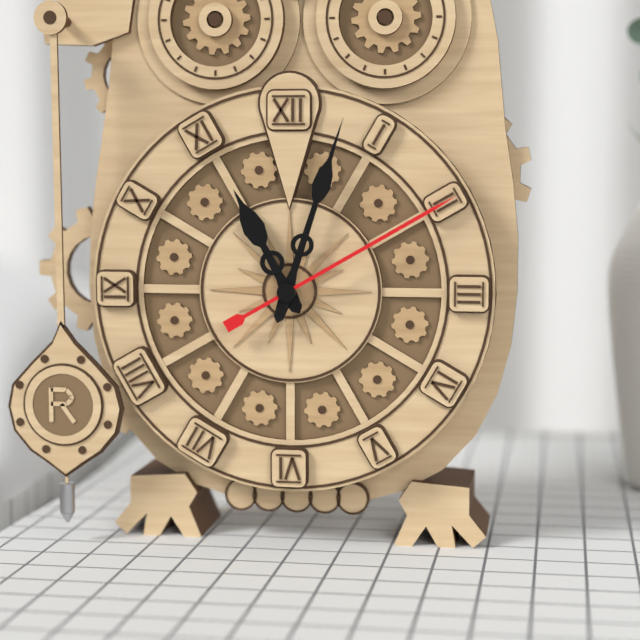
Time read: 11:03:10
